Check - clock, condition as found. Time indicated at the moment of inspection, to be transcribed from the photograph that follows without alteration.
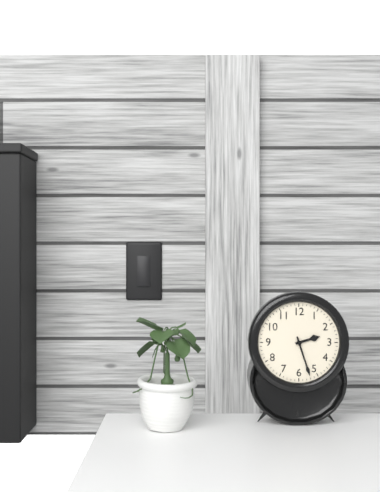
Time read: 2:27
